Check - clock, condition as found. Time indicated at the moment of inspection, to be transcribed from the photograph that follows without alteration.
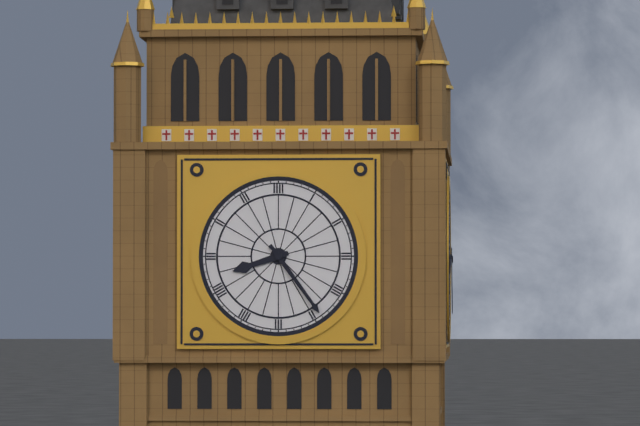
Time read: 8:24
